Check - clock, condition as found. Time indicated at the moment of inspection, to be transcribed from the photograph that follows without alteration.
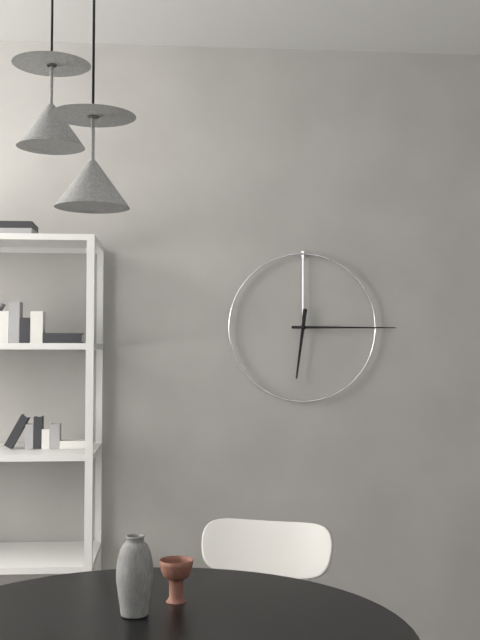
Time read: 6:15
